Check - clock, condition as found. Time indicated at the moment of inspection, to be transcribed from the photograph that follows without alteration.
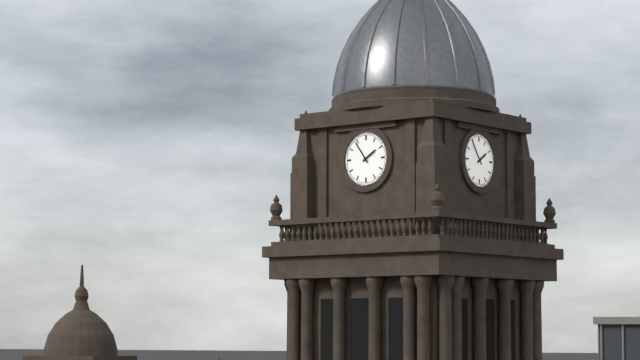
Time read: 1:54
